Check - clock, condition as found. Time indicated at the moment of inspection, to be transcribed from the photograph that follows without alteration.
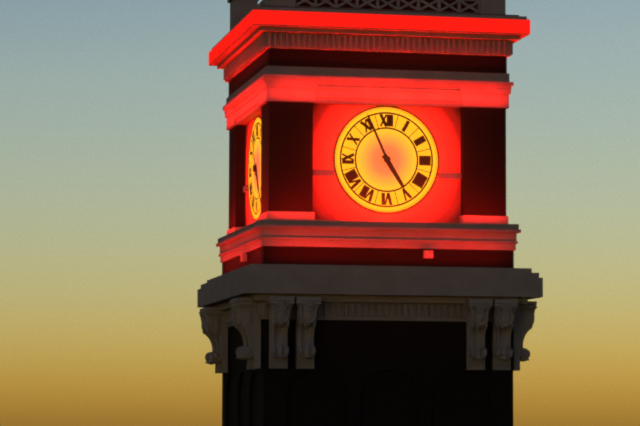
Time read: 4:56
